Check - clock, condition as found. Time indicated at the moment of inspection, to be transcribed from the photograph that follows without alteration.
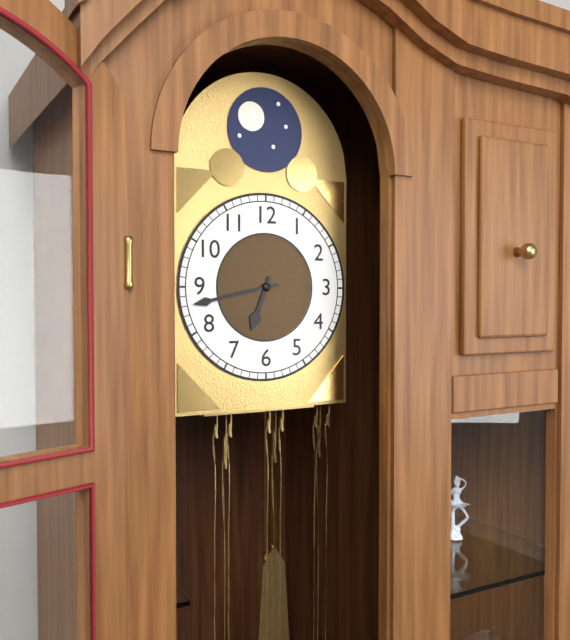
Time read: 6:43
